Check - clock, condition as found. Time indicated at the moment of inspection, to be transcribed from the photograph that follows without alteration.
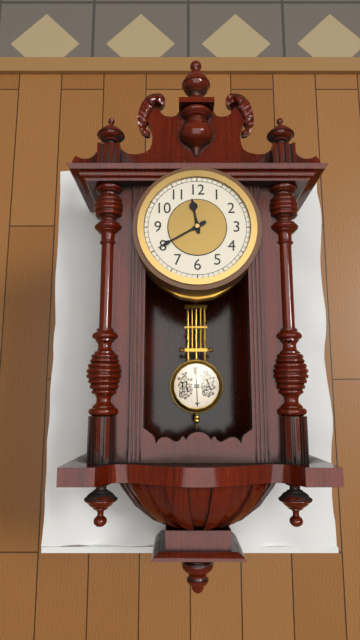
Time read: 11:40
